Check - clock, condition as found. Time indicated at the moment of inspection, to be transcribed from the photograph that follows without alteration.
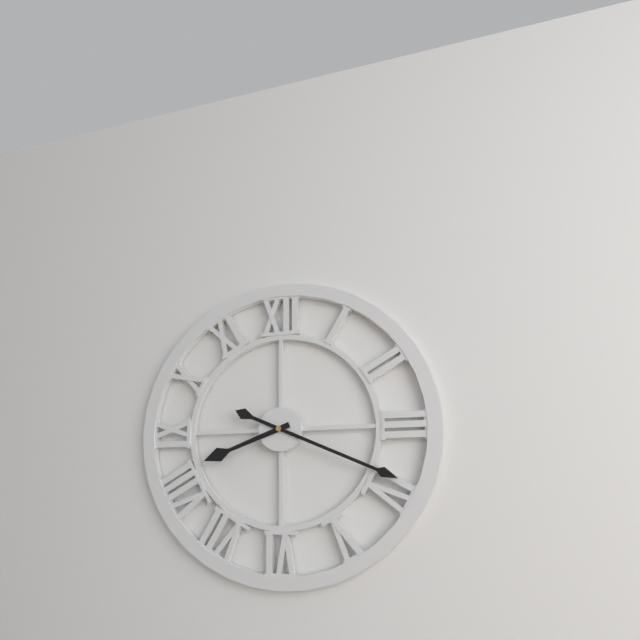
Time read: 8:19
